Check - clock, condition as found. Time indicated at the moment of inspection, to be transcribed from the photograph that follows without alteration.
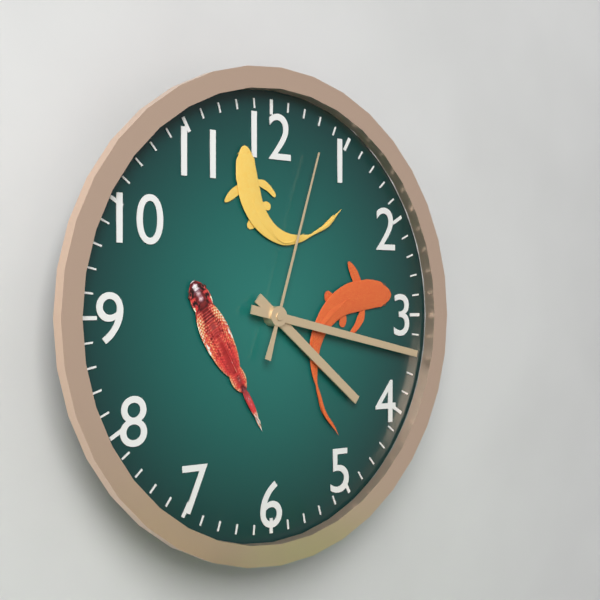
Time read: 4:17:03
